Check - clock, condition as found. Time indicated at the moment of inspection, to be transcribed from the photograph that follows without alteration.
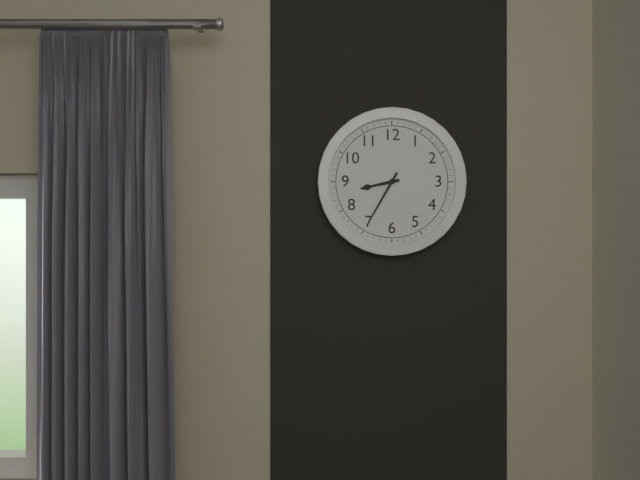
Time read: 8:35
